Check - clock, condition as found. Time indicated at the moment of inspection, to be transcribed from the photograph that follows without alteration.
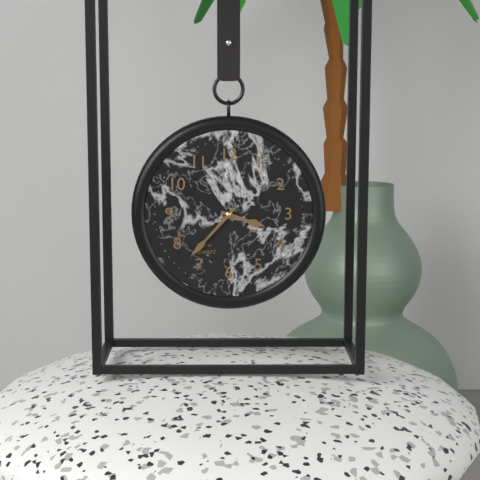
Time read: 3:37
